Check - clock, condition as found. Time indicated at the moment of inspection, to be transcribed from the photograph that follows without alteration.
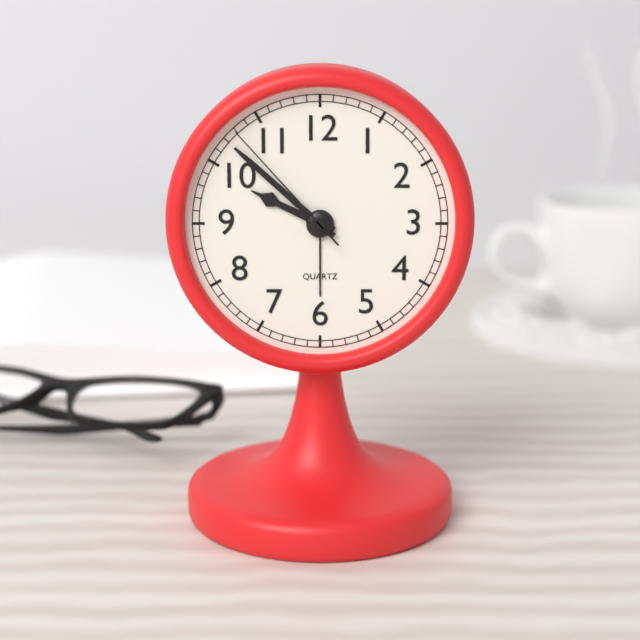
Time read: 9:52:53
